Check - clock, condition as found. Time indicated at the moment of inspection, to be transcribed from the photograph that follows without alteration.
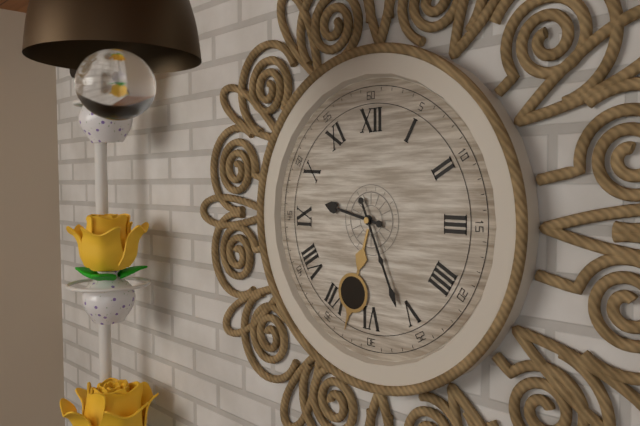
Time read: 9:26
